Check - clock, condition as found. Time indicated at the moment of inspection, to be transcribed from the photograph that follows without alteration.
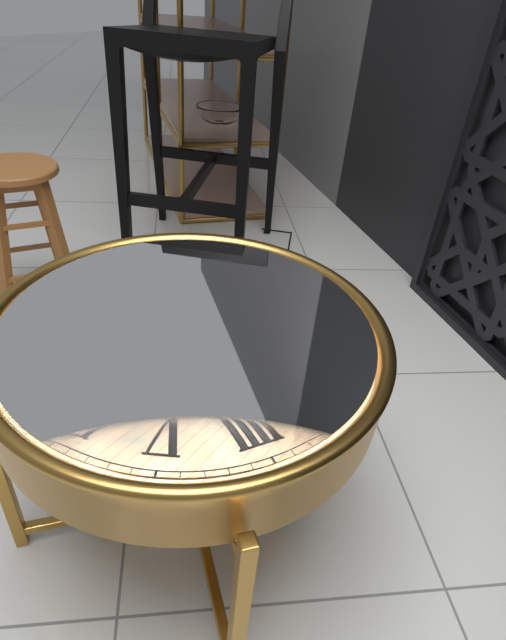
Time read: 4:31
